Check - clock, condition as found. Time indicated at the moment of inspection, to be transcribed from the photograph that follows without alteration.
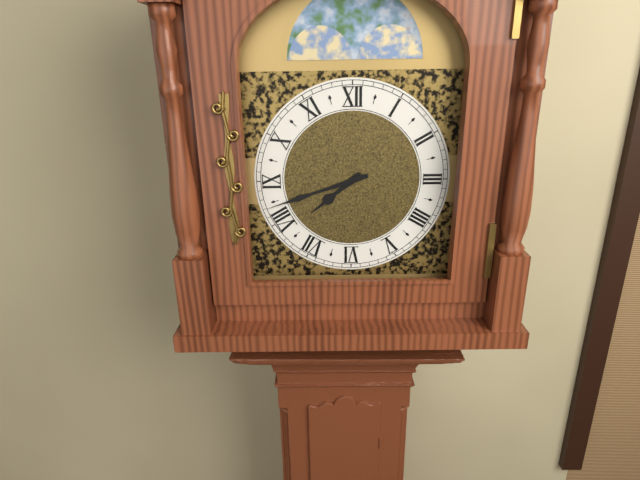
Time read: 7:42
